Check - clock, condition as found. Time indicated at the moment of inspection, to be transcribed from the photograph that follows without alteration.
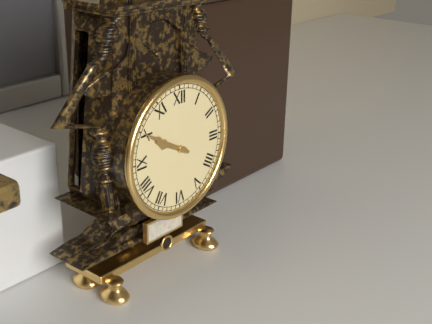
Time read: 9:50
